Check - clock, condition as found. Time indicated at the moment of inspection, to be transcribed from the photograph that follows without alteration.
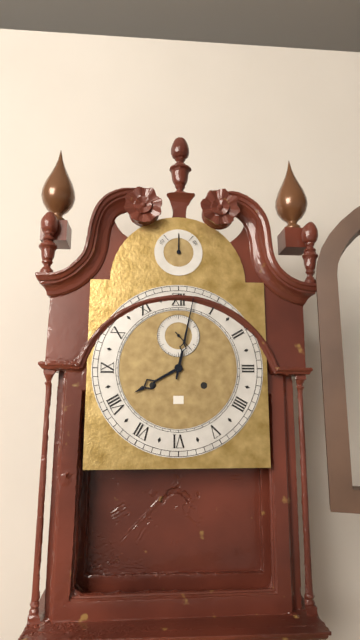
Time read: 8:02
